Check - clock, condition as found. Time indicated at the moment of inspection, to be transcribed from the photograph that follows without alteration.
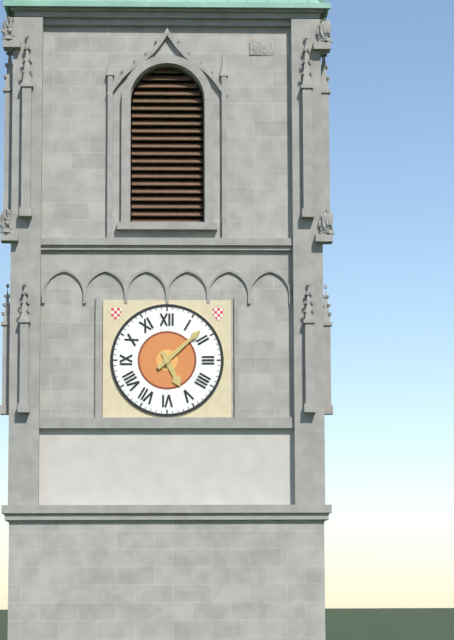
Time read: 5:08
